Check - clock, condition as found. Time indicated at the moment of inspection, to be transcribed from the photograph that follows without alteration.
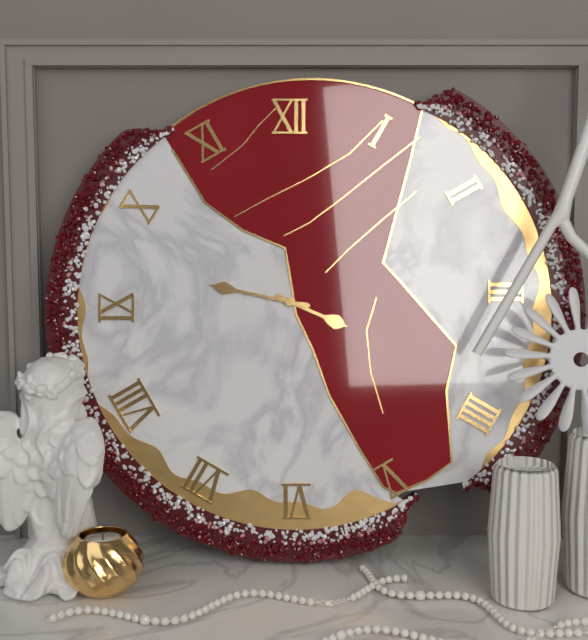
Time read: 3:47
